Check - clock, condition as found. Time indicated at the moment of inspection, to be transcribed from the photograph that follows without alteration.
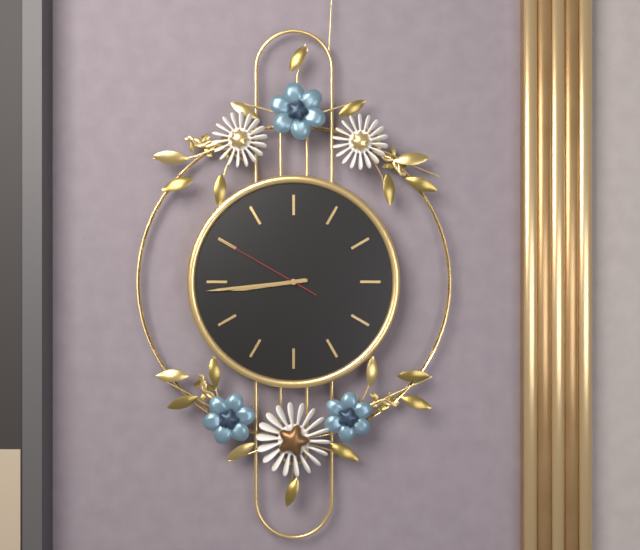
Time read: 8:44:50
